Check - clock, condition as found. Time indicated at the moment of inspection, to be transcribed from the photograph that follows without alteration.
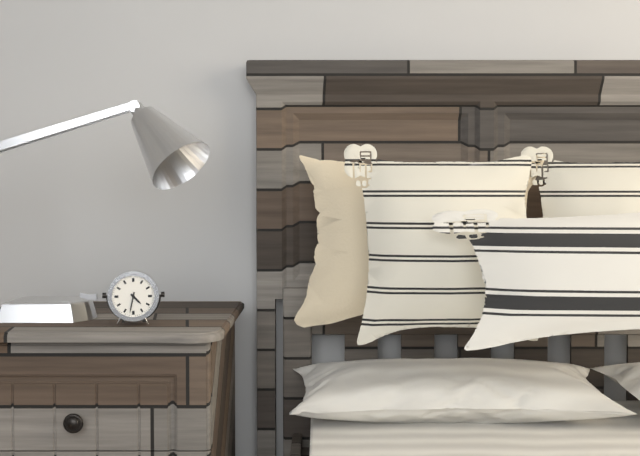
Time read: 4:32
